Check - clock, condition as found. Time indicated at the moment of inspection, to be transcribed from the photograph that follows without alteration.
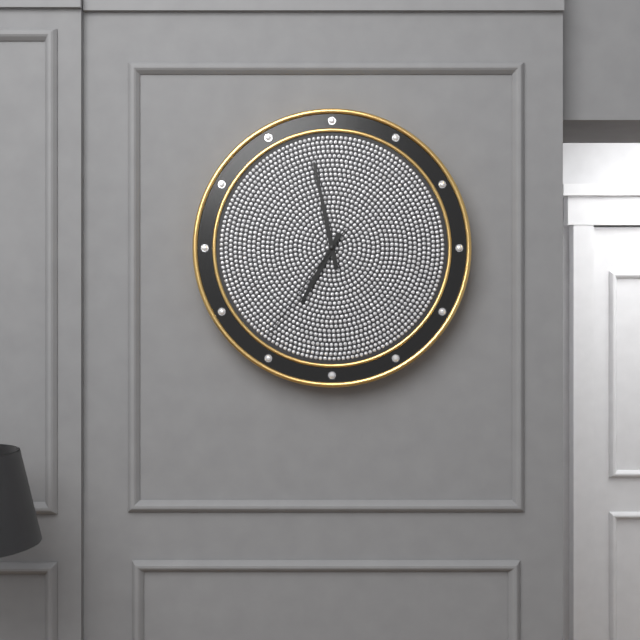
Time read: 6:58:36
